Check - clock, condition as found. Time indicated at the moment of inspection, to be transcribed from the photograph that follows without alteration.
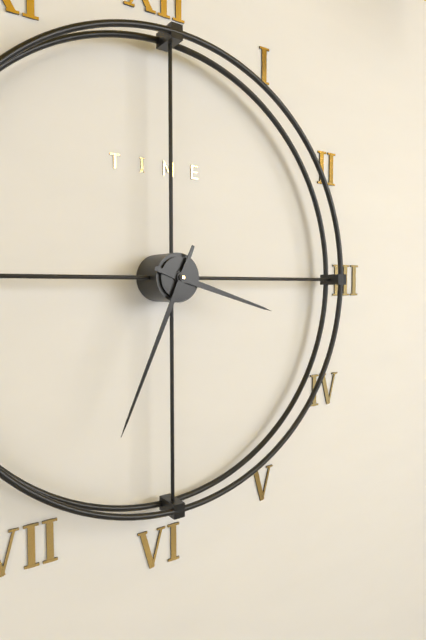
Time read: 3:34
